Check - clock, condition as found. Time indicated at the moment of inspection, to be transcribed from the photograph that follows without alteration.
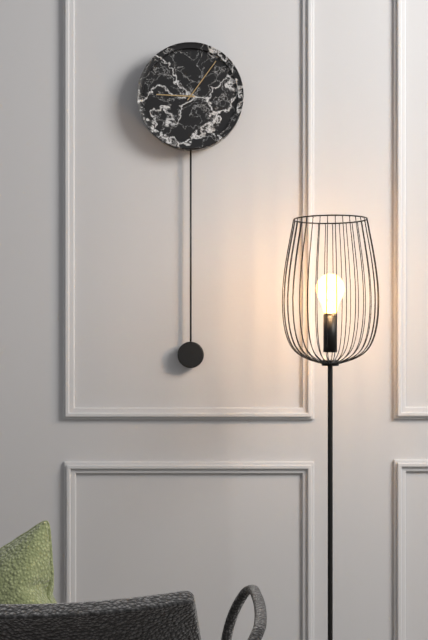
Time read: 9:06
